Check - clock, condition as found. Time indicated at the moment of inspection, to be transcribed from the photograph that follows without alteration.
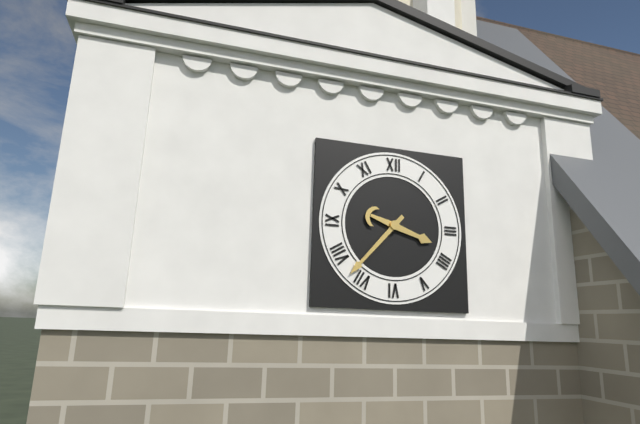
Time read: 3:37
